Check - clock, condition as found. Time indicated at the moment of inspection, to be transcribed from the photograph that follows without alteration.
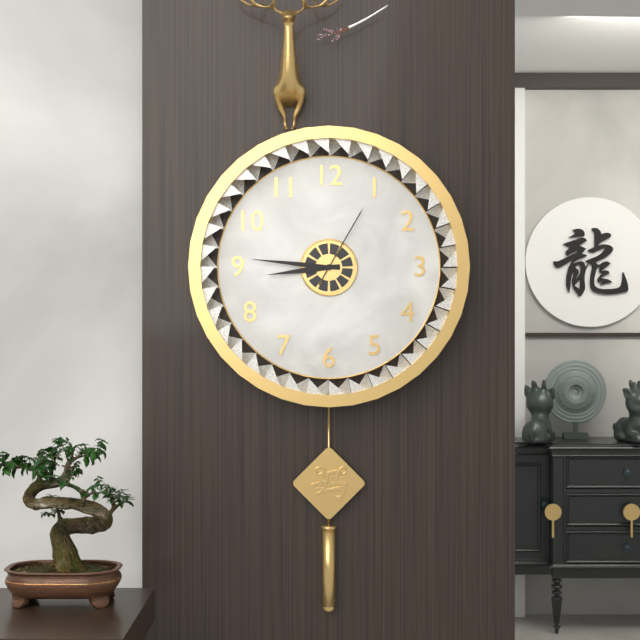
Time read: 8:46:05
